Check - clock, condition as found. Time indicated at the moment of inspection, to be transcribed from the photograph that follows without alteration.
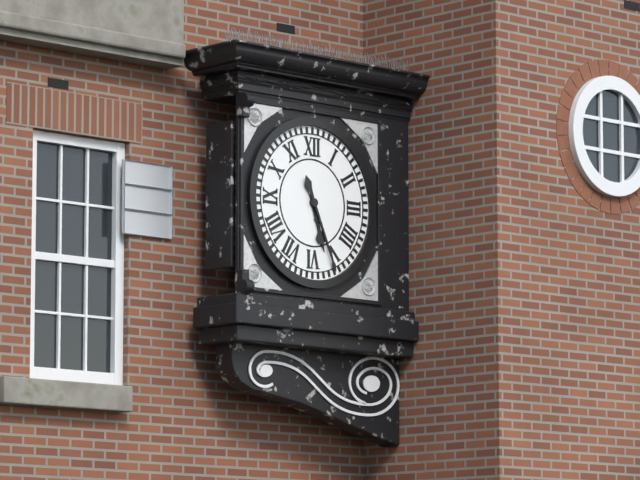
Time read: 5:26
